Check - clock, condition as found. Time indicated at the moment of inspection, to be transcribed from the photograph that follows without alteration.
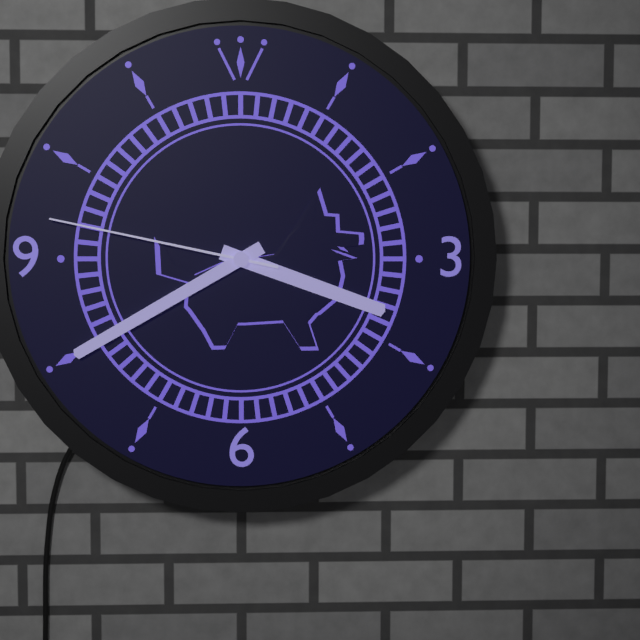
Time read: 3:40:47
